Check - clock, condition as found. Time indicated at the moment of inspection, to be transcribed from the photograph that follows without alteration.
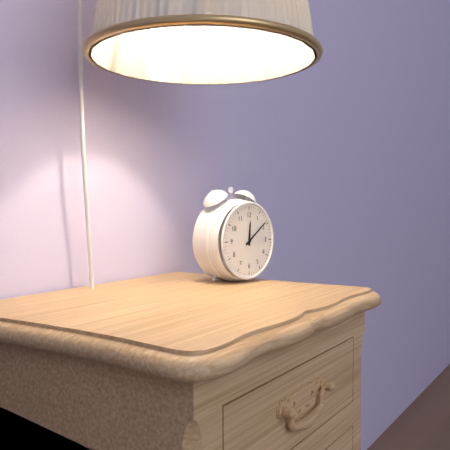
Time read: 12:09
